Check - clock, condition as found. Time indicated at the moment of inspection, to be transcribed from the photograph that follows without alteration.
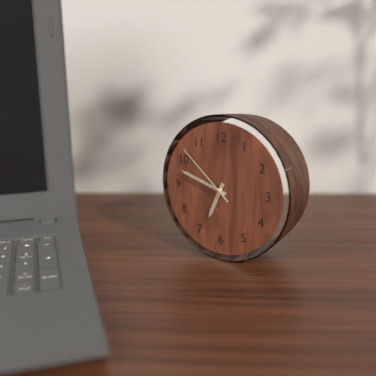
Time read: 6:48:52
